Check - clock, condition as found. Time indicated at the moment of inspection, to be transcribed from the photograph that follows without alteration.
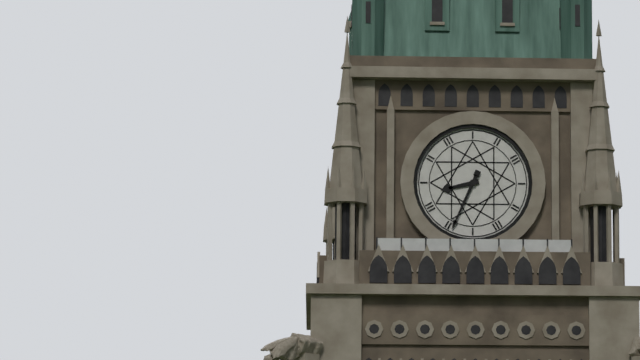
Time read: 8:34
